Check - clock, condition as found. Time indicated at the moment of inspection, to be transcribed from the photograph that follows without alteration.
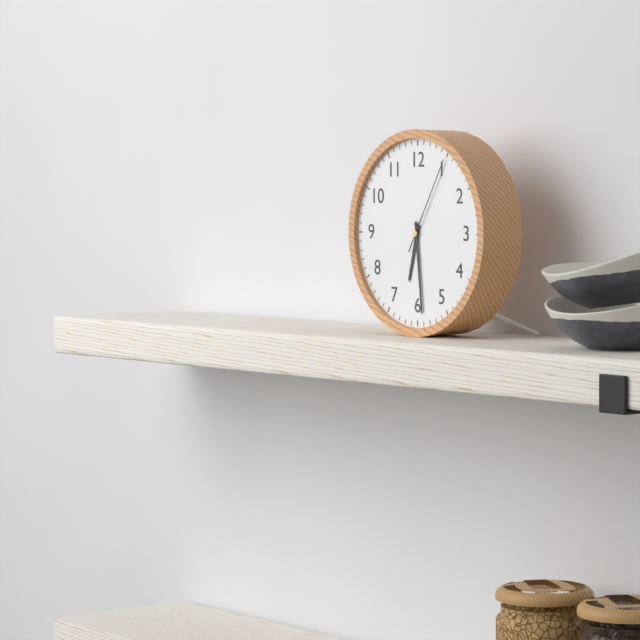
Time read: 6:29:05
